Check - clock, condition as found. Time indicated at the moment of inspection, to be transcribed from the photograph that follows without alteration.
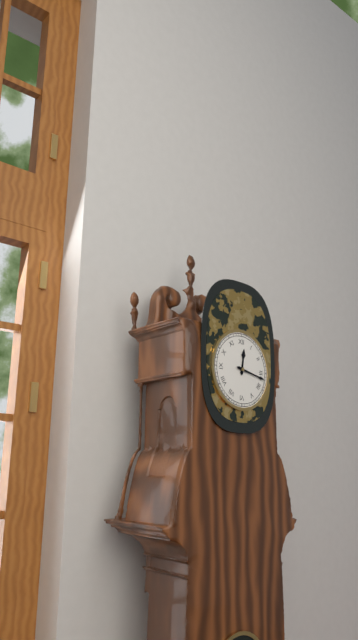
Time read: 12:17
